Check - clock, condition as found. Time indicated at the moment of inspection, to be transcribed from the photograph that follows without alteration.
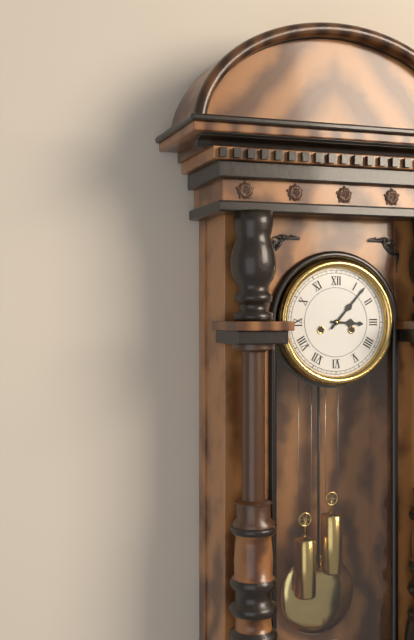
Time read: 3:07
